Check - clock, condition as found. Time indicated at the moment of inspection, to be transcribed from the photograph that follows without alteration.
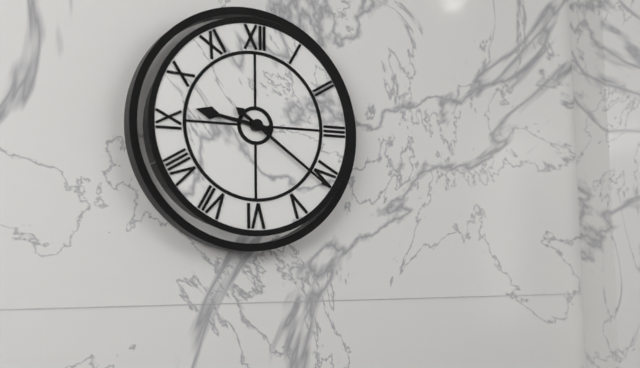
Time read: 9:21
